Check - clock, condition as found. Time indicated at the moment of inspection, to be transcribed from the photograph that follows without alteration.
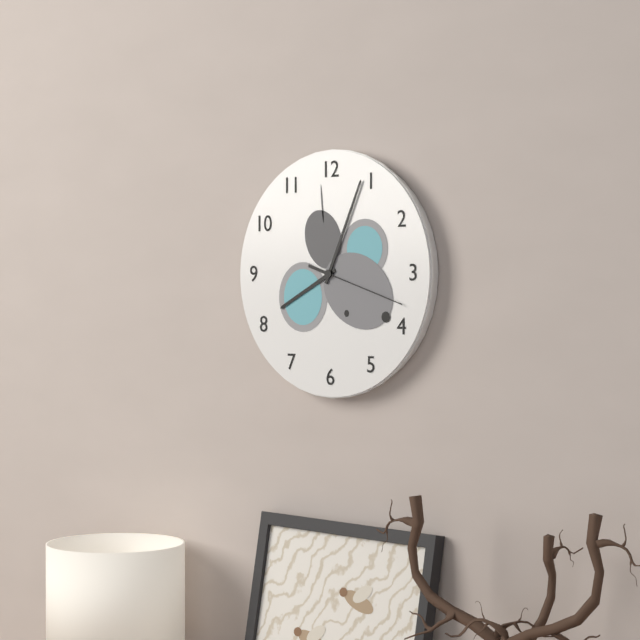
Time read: 8:04:18
